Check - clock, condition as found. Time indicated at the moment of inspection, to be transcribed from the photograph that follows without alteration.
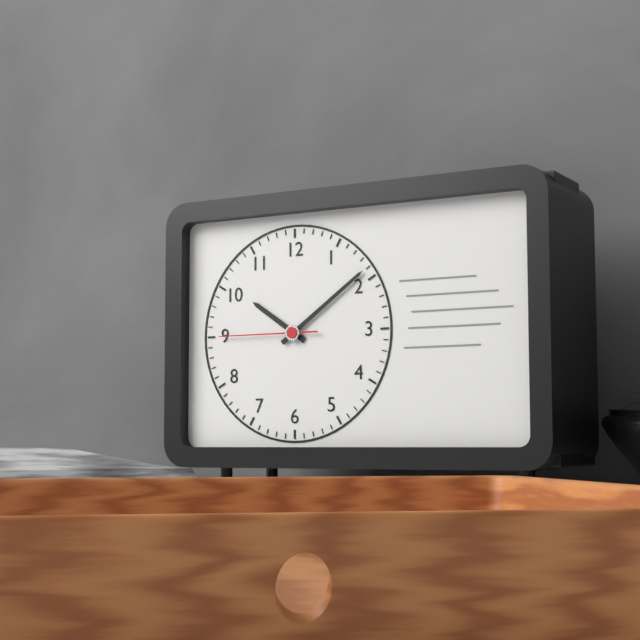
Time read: 10:09:45
